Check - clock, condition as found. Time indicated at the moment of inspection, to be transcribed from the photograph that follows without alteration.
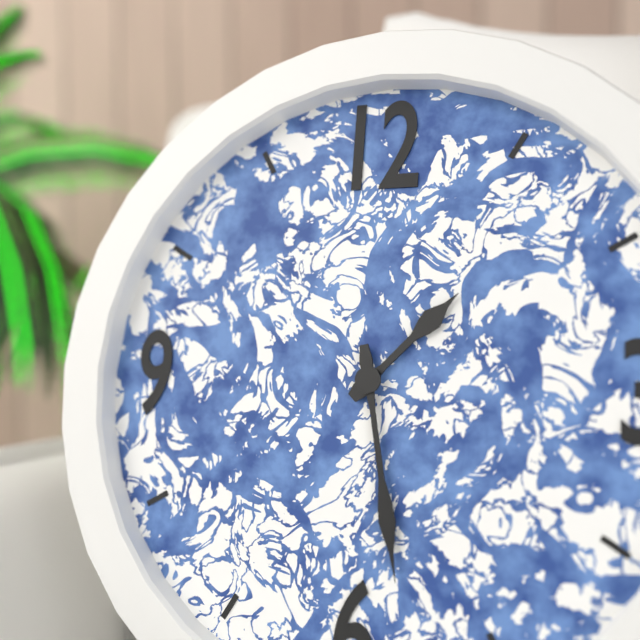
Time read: 1:28
